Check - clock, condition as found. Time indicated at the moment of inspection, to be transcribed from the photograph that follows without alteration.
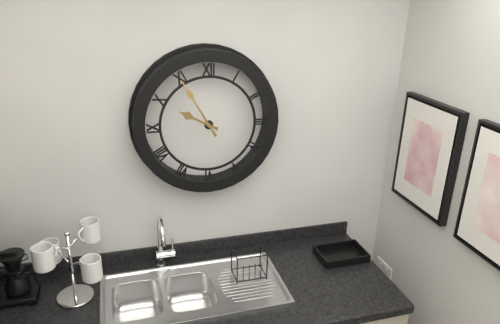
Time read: 9:55
